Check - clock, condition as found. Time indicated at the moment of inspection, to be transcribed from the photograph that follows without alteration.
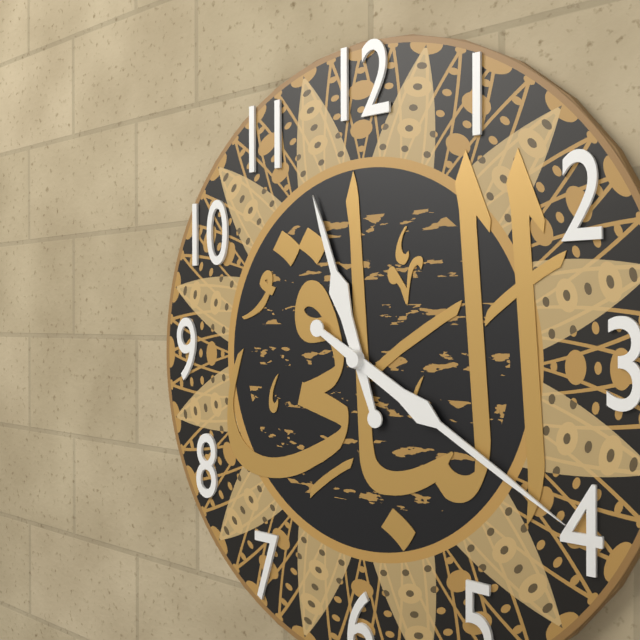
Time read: 11:20
